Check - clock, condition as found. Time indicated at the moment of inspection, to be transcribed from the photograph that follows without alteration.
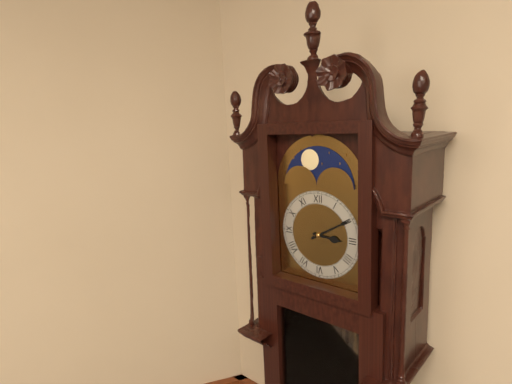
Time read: 3:10
